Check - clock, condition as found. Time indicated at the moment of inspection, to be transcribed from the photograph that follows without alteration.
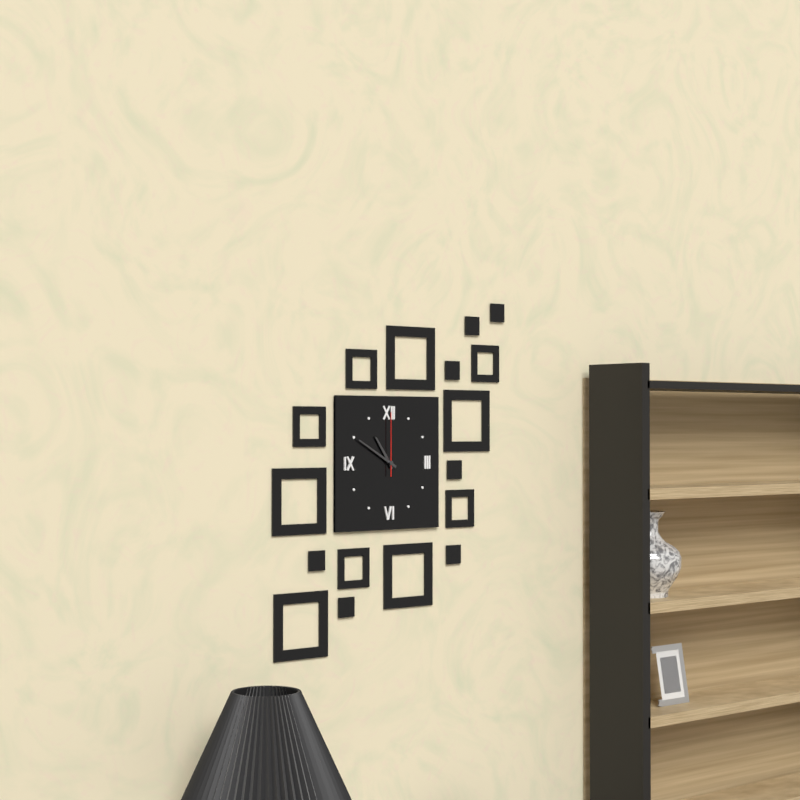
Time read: 10:50:00
